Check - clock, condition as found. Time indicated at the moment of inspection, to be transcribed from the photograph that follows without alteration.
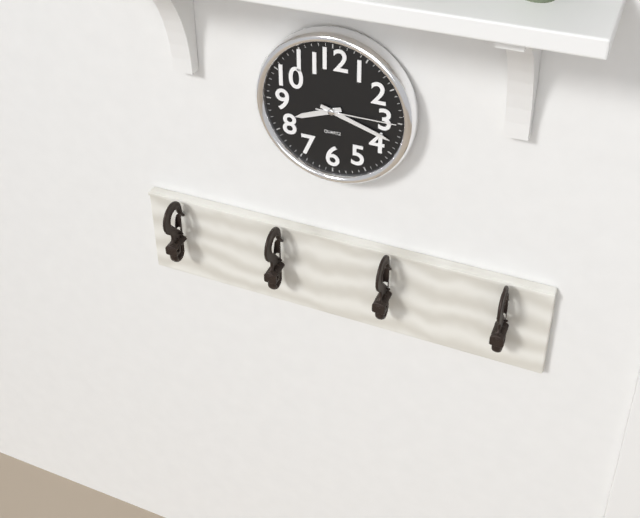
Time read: 8:18:15
